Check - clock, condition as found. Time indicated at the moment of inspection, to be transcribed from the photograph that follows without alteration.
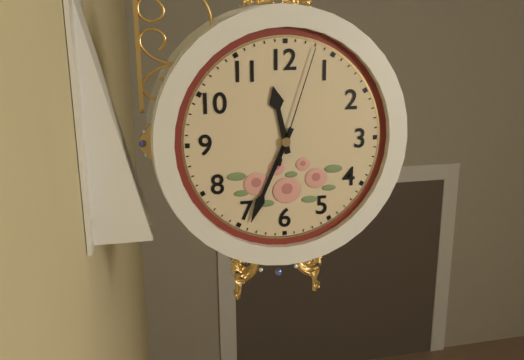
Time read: 11:34:03
